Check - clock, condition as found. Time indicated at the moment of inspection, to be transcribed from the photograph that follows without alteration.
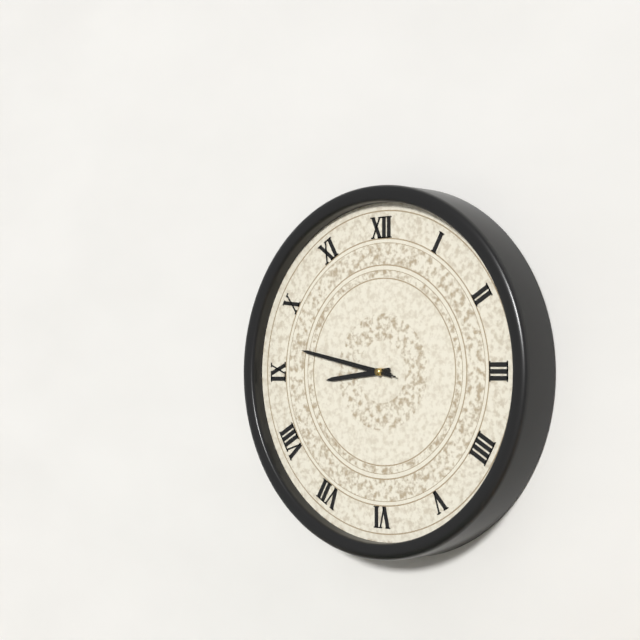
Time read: 8:47:47
